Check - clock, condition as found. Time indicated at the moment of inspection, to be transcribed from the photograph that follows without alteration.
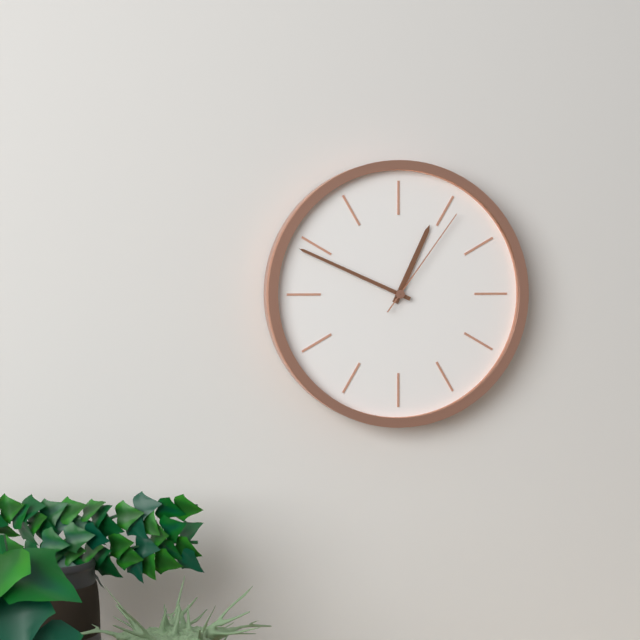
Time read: 12:49:06
